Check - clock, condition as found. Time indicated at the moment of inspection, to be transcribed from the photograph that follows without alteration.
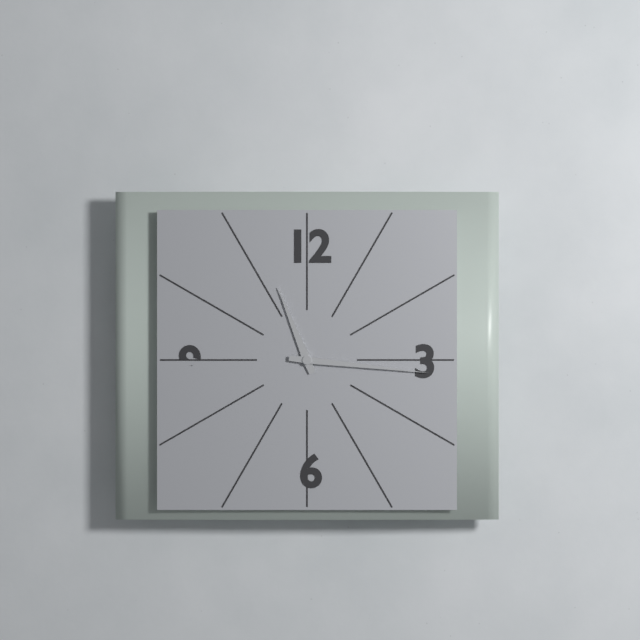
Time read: 11:16
